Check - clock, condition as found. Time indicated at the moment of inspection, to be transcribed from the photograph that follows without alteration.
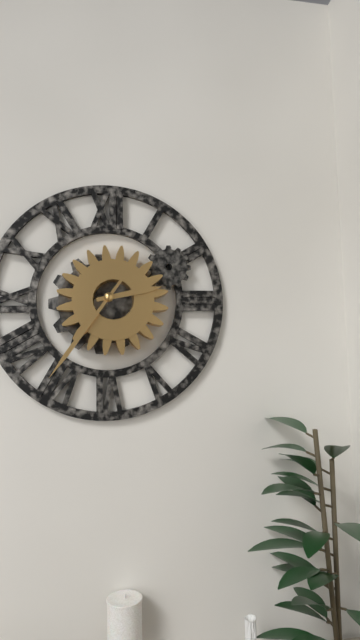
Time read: 2:36
